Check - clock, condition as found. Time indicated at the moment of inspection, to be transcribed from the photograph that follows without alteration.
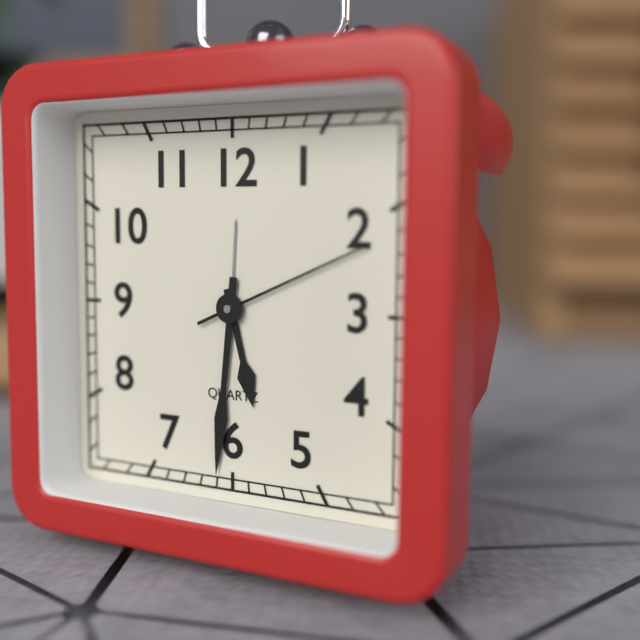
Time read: 5:31:11
